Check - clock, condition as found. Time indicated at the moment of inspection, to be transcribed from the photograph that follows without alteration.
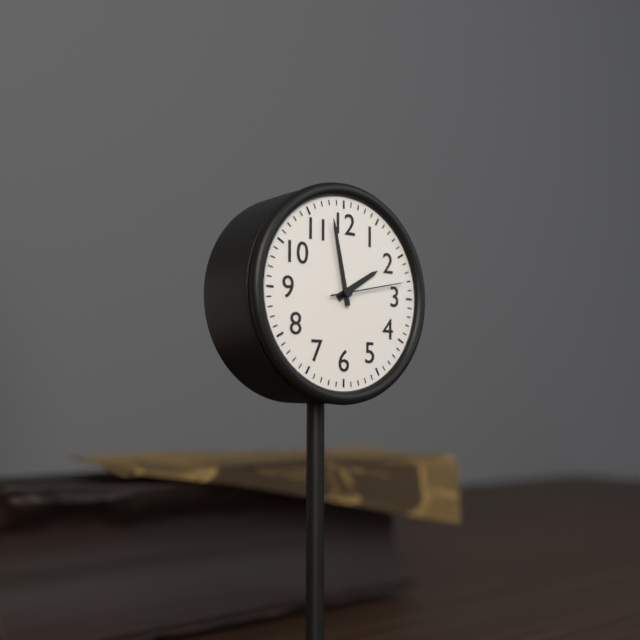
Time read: 1:58:13
